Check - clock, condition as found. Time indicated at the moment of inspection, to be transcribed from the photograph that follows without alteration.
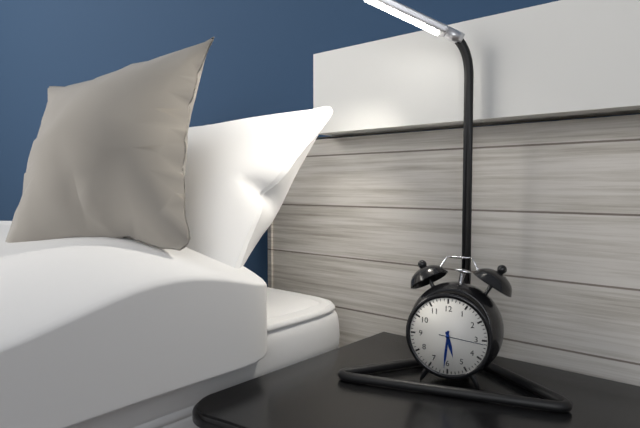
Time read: 5:31
